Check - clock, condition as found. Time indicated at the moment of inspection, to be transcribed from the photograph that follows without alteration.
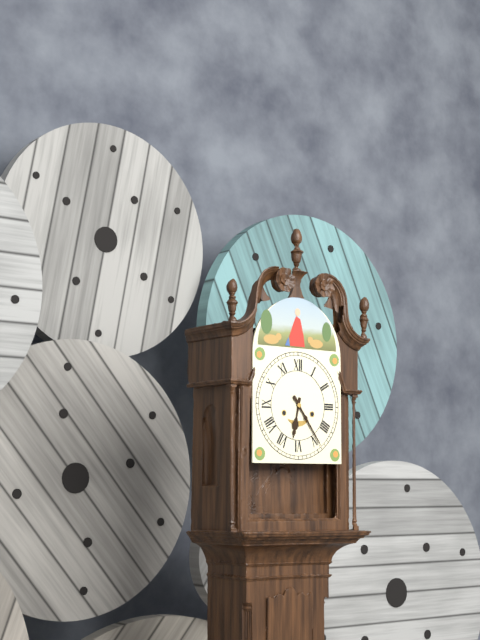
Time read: 6:24
